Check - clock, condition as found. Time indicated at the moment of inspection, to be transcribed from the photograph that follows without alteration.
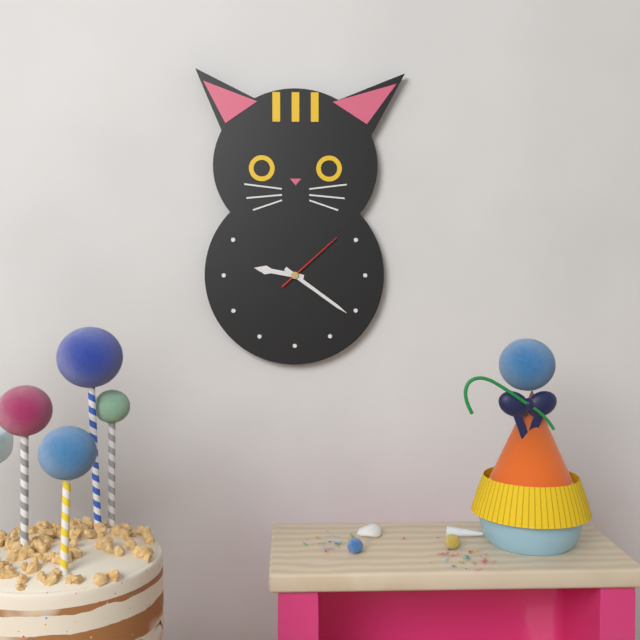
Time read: 9:21:08
